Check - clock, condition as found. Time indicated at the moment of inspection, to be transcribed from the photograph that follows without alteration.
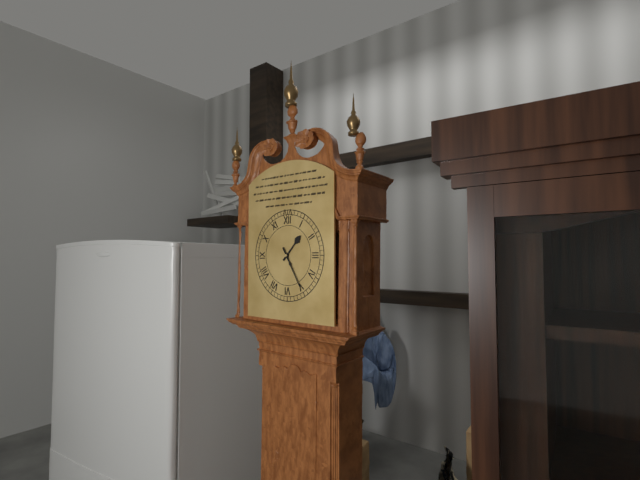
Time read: 1:25
